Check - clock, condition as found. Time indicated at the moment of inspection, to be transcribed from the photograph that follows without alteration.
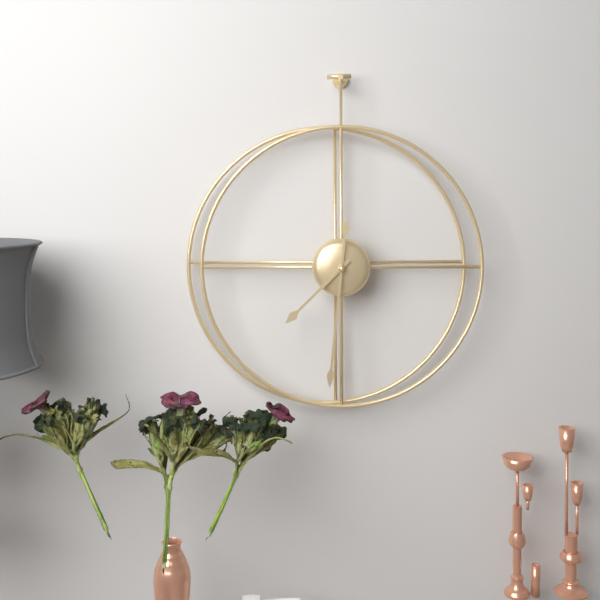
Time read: 7:31
